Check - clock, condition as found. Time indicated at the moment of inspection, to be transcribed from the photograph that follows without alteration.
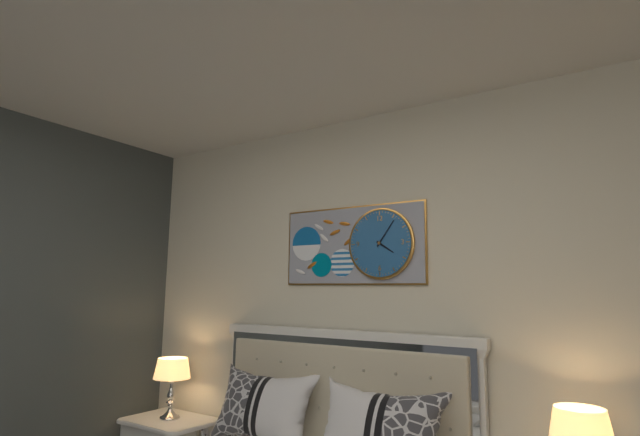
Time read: 4:06
